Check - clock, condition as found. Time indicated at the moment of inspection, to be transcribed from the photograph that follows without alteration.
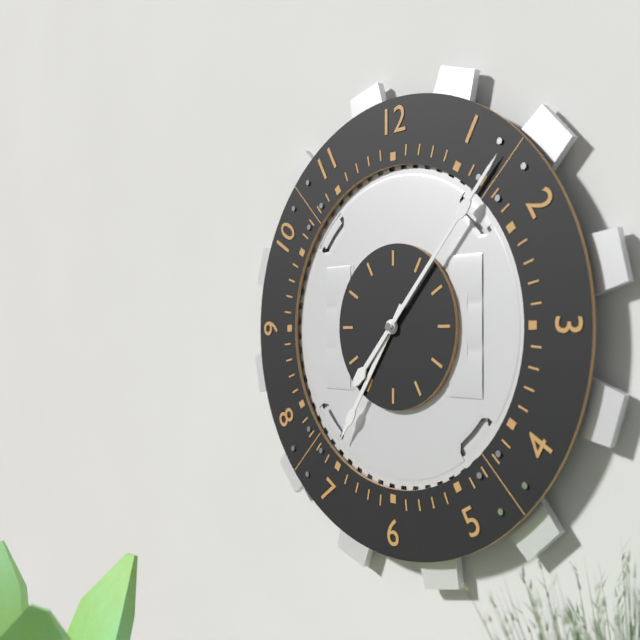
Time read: 7:07
